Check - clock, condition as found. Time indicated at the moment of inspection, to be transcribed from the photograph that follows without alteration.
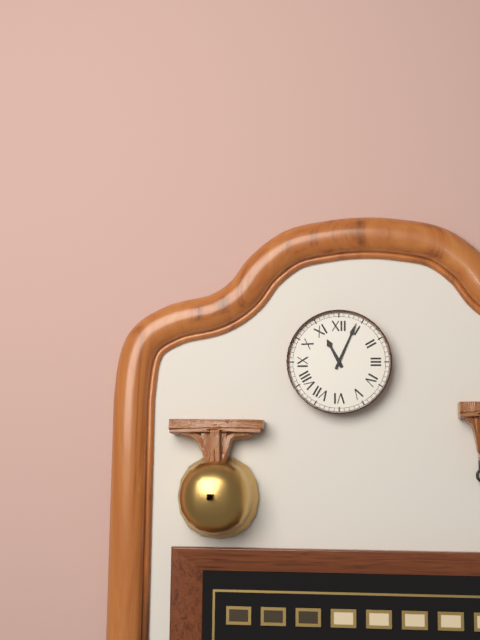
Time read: 11:04
